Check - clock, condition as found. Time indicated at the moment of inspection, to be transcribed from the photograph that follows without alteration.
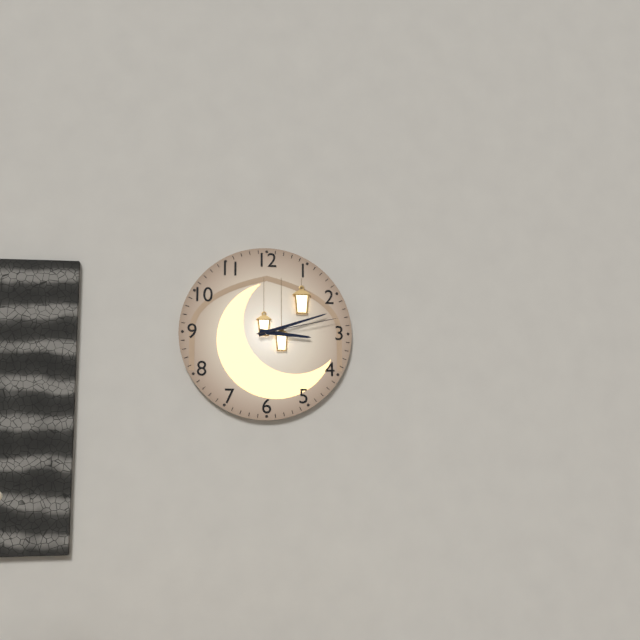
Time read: 3:12:13
